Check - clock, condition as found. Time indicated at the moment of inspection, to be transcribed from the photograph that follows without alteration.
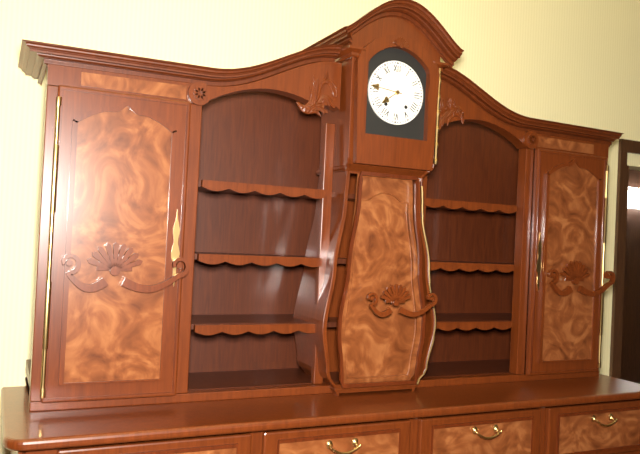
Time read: 7:46
